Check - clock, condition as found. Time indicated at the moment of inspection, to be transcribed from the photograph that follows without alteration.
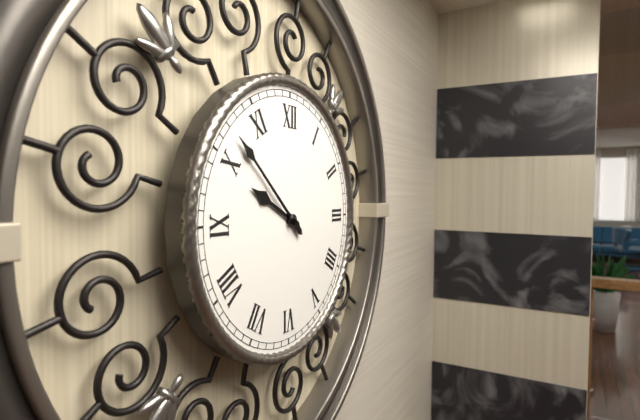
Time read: 9:52
